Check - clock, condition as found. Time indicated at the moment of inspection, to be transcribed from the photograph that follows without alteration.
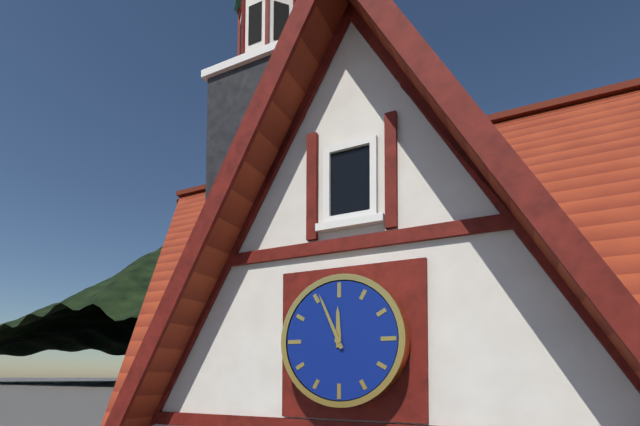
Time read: 11:56
